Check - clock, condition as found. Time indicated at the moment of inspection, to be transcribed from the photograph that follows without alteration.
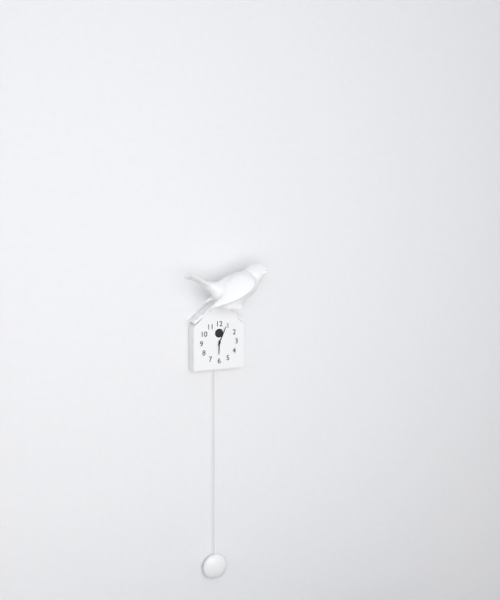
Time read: 6:04
